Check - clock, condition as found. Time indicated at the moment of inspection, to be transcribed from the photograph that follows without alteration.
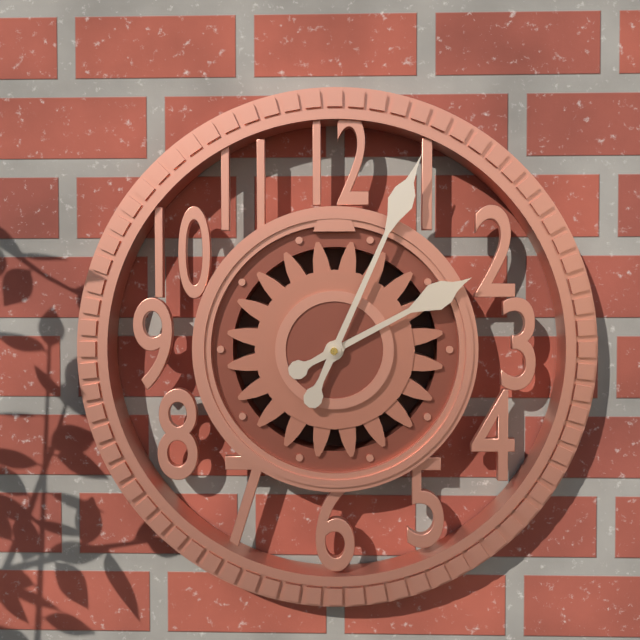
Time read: 2:04
